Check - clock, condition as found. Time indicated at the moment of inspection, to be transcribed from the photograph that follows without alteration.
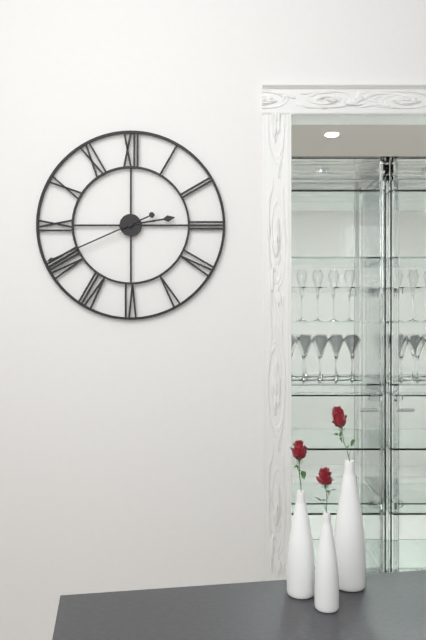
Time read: 2:41
